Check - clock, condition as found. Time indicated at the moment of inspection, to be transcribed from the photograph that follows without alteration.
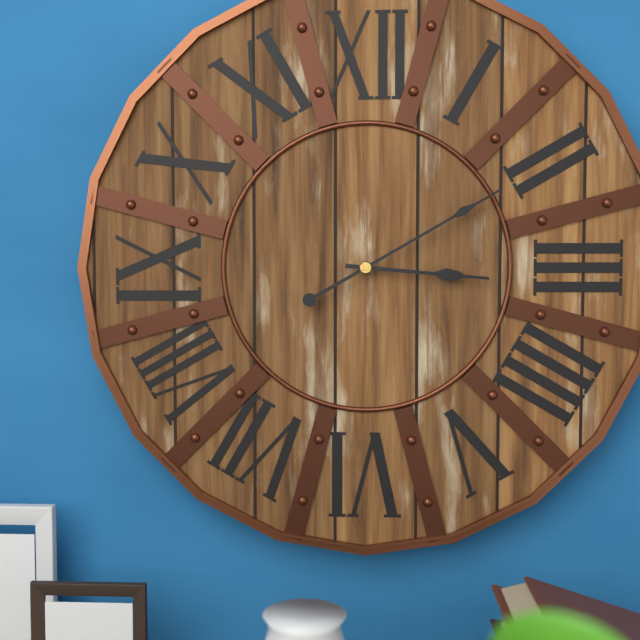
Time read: 3:10
